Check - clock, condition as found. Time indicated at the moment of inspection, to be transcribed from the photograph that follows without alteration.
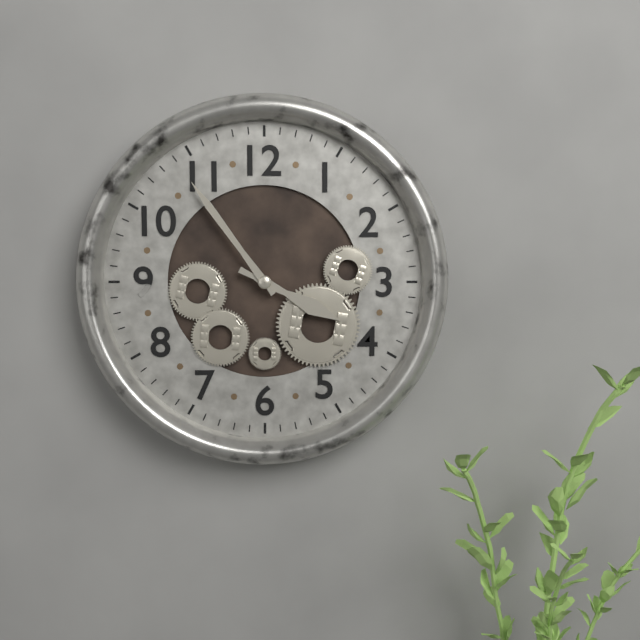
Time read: 3:54
